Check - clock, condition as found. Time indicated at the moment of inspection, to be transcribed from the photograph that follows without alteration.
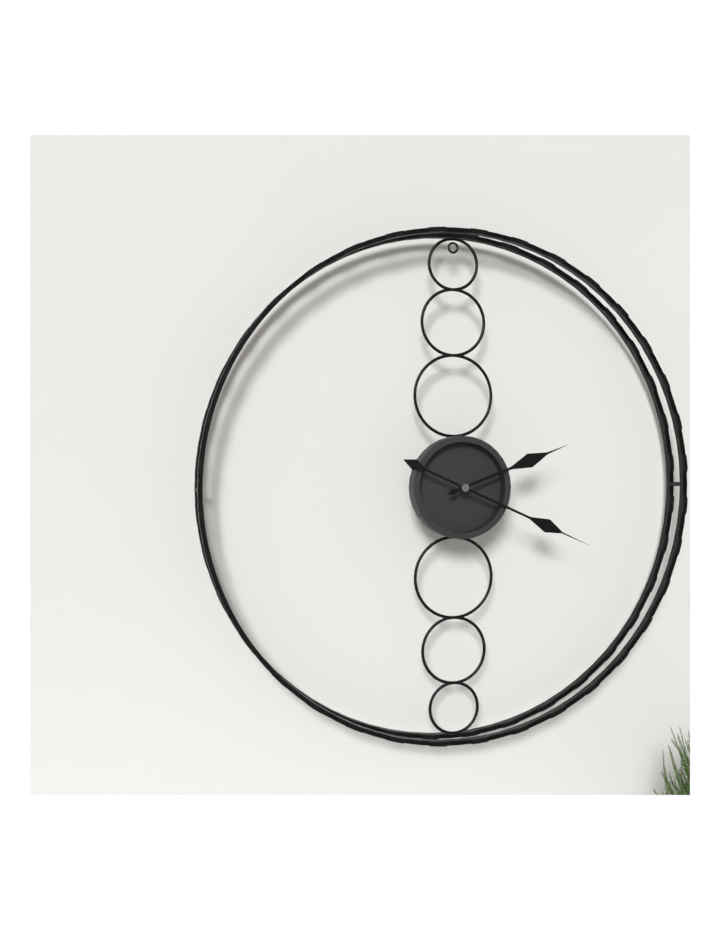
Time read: 2:19
